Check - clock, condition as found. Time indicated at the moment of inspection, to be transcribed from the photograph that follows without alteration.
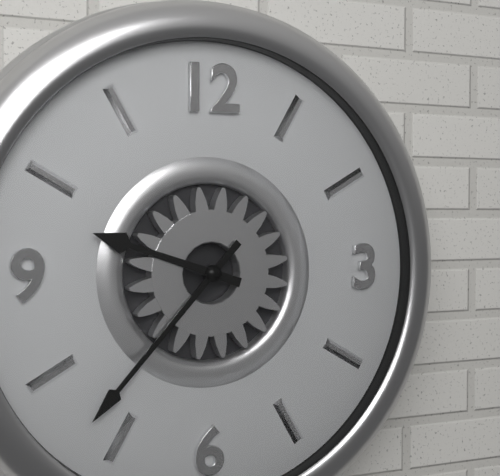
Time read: 9:37
